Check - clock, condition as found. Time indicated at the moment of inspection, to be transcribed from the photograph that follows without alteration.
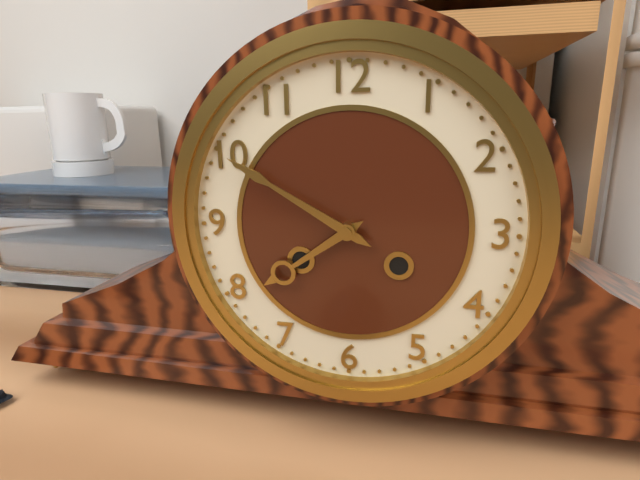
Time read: 7:50
